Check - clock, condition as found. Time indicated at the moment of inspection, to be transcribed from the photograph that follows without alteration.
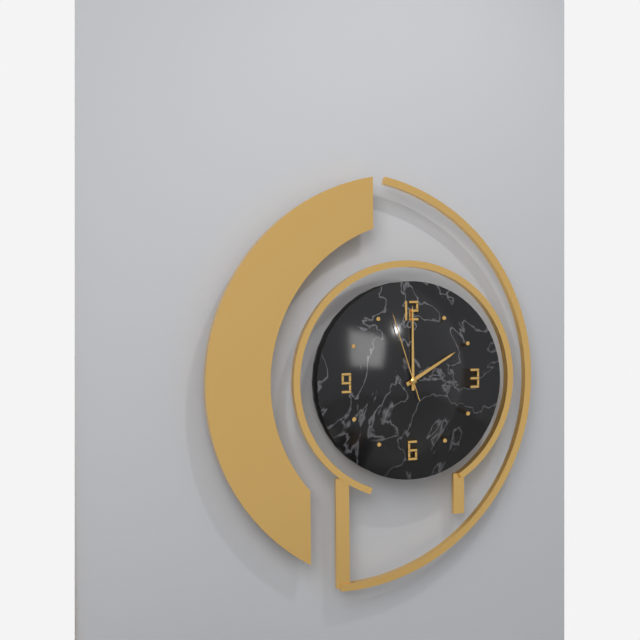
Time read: 2:00:57
